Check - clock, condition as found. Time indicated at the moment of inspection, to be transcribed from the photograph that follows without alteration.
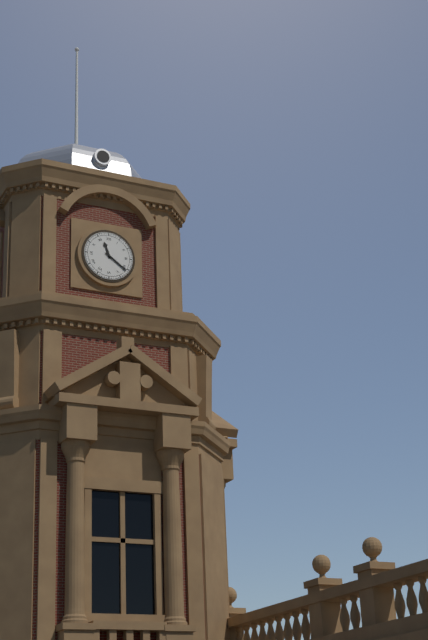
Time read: 11:21
